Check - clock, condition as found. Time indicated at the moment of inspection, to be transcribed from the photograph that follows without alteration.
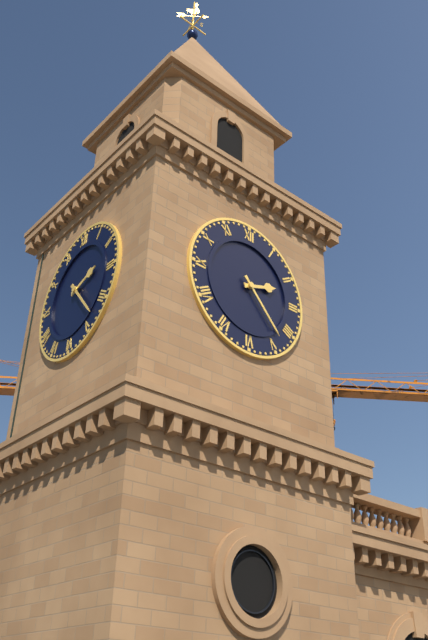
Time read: 2:23
